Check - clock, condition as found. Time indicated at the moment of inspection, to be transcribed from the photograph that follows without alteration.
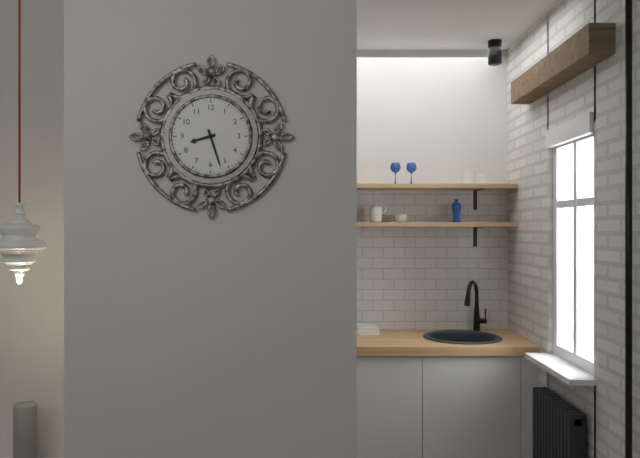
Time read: 8:27
